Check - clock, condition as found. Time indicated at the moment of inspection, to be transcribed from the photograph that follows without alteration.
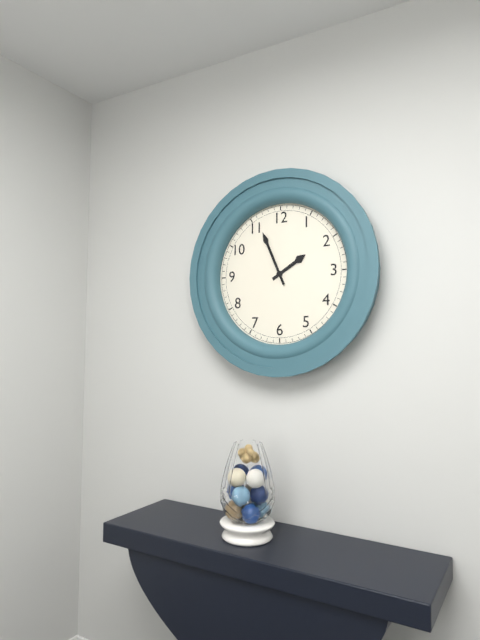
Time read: 1:56
